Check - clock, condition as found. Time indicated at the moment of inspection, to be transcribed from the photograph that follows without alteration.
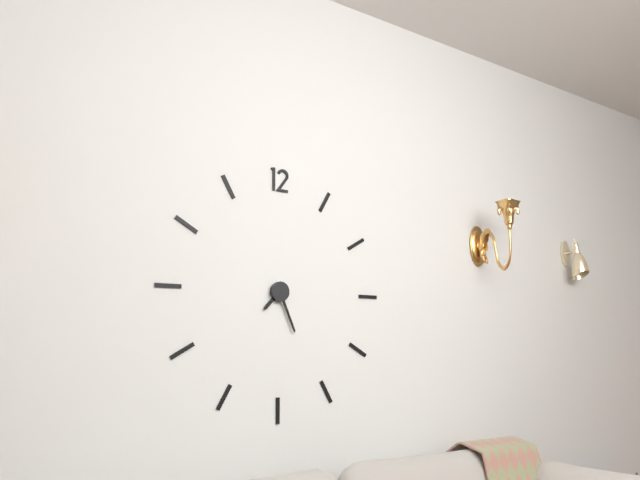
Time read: 7:26
